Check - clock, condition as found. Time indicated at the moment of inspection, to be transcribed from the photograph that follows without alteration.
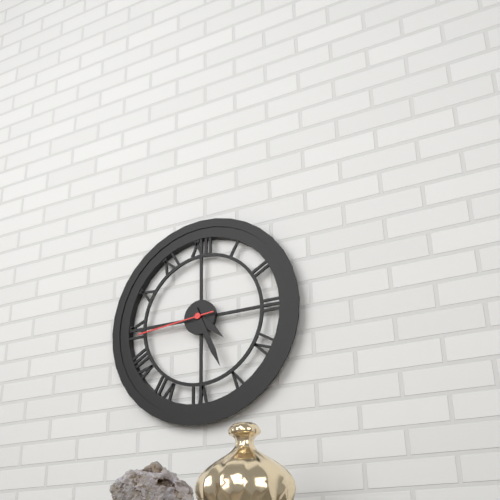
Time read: 4:26:44
